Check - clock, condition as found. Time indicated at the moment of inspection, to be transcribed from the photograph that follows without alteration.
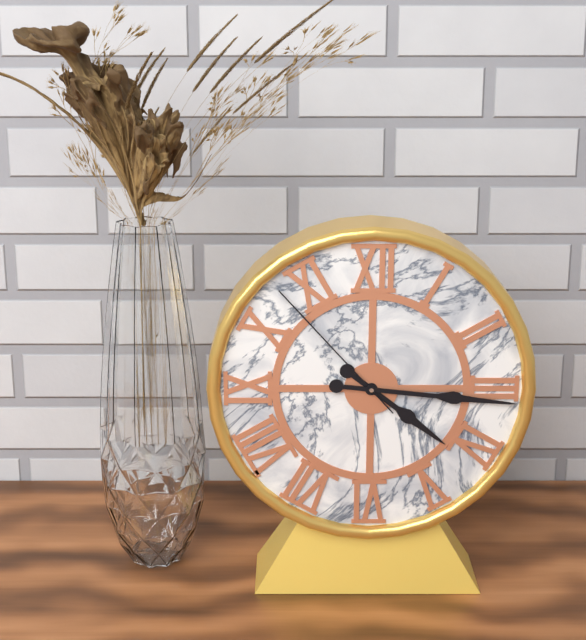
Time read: 4:16:53
